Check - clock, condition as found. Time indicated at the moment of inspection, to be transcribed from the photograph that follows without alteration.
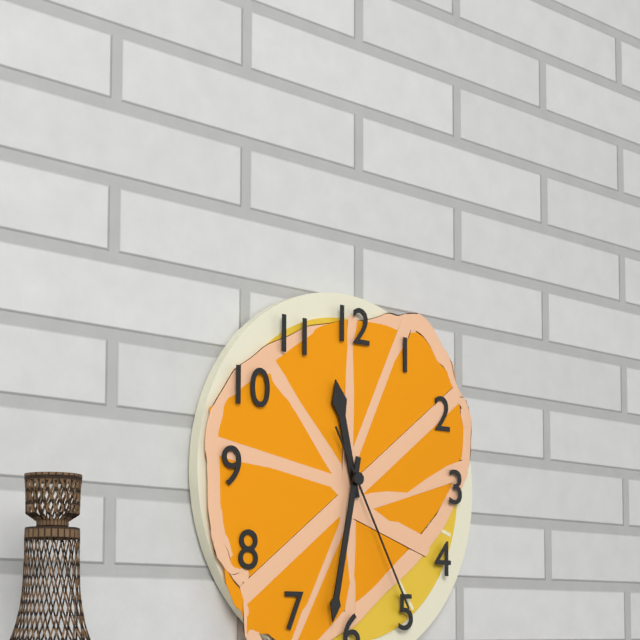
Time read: 11:32:25
